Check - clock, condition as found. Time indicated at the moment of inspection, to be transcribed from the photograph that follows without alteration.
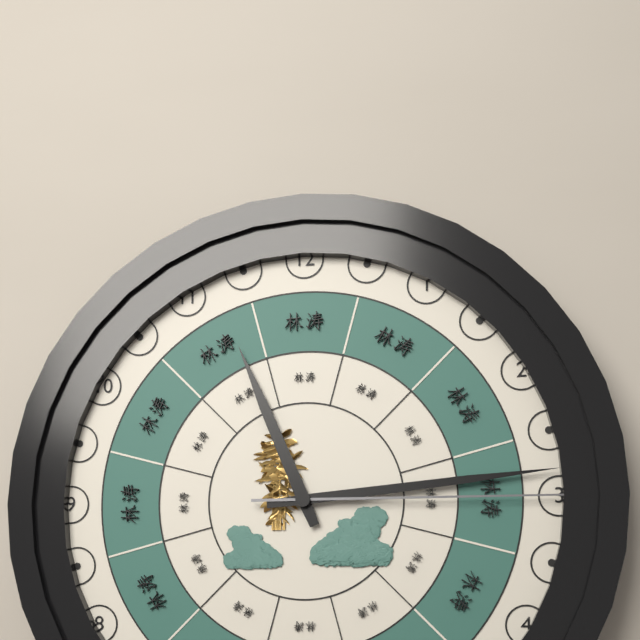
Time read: 11:14:15
